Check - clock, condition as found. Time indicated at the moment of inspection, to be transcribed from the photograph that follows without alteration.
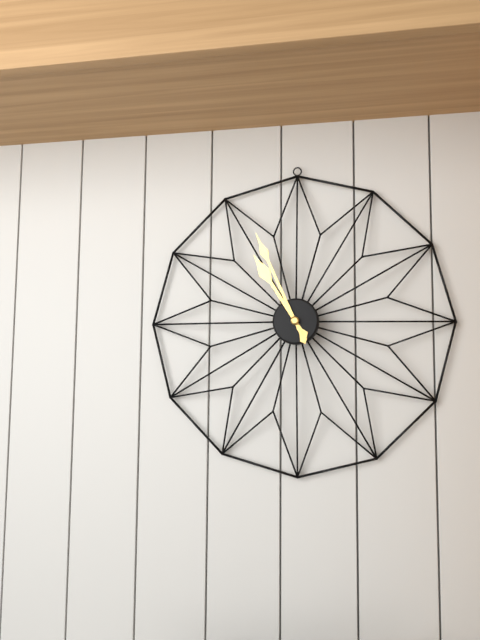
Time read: 10:56
